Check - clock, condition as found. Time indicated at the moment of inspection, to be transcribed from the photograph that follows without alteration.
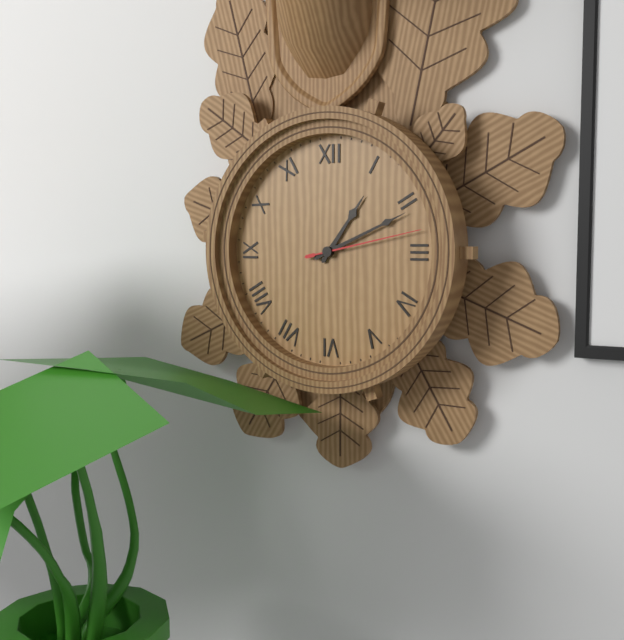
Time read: 1:11:13
